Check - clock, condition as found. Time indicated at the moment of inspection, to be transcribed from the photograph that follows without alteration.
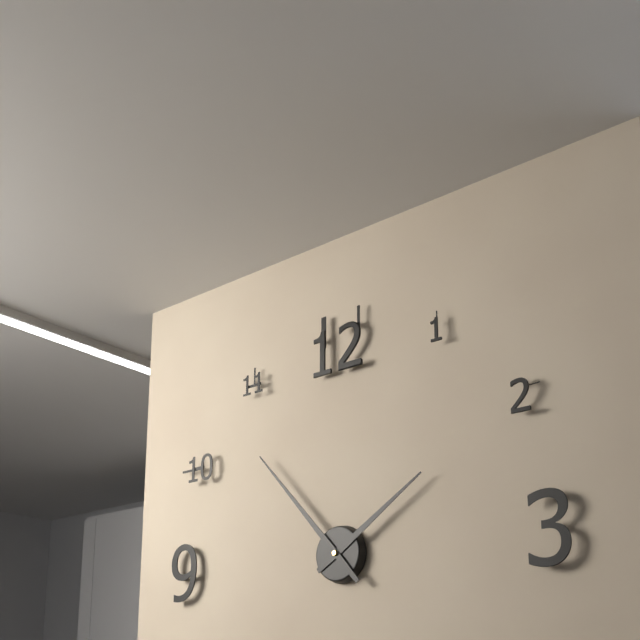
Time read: 1:53
